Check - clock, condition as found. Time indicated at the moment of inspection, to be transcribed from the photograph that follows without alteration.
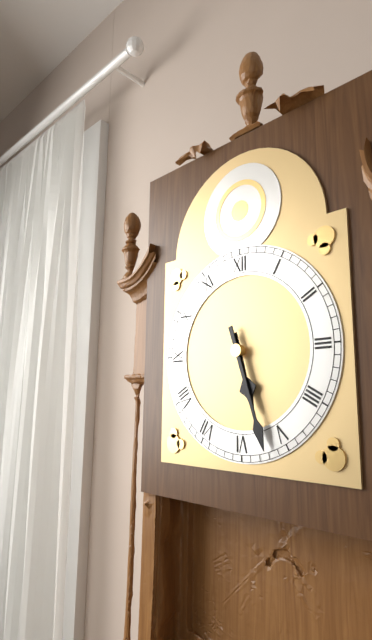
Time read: 5:27
